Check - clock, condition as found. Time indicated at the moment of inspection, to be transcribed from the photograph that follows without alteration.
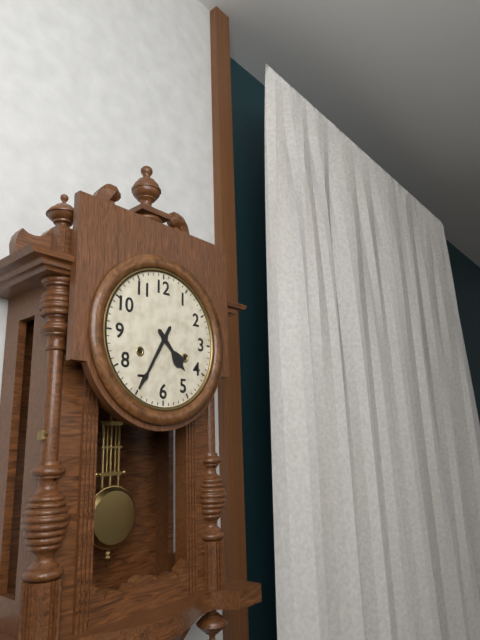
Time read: 4:35
